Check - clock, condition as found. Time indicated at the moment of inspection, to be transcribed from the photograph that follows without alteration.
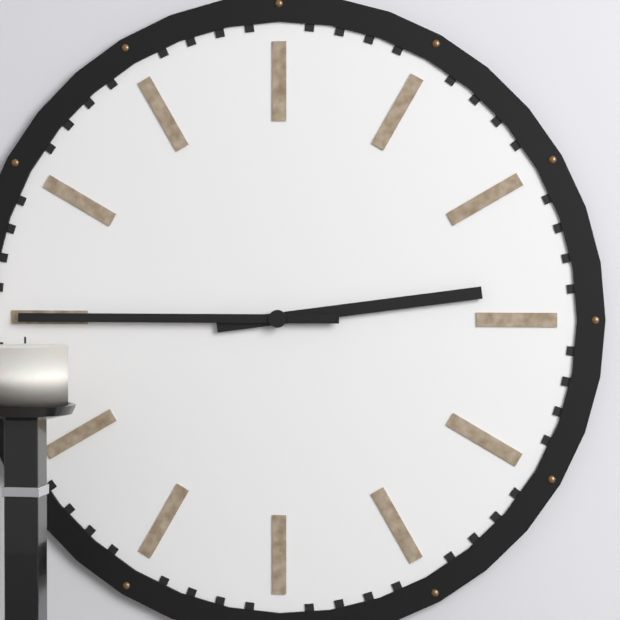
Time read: 2:45
